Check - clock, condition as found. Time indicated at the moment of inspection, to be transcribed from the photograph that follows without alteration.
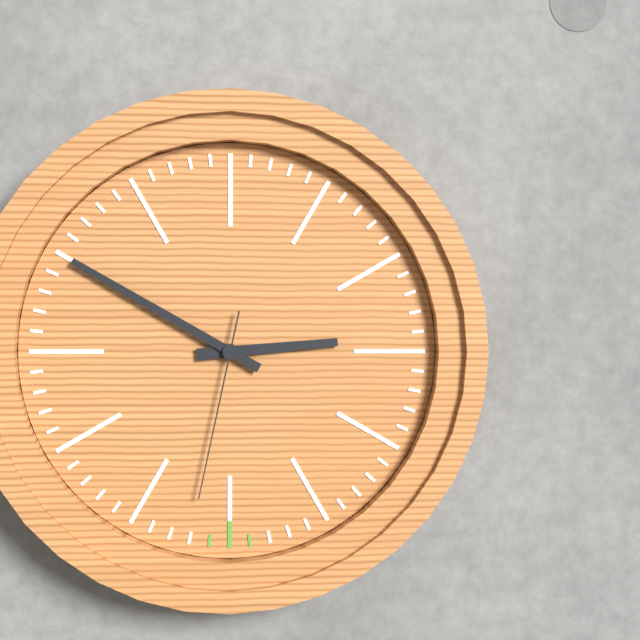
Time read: 2:50:32
